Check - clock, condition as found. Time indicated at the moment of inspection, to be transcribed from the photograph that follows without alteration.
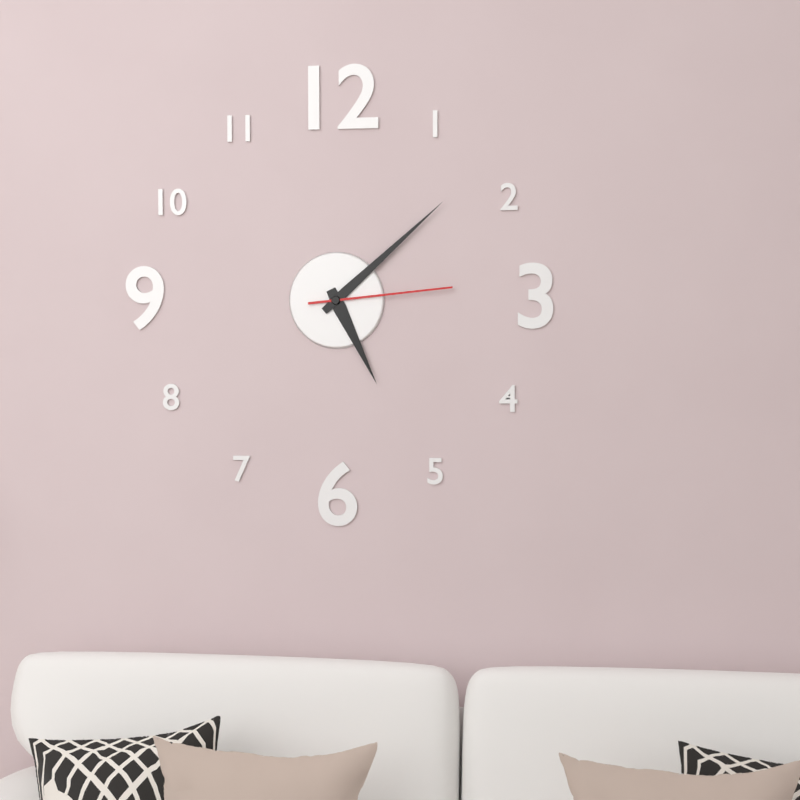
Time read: 5:08:14
